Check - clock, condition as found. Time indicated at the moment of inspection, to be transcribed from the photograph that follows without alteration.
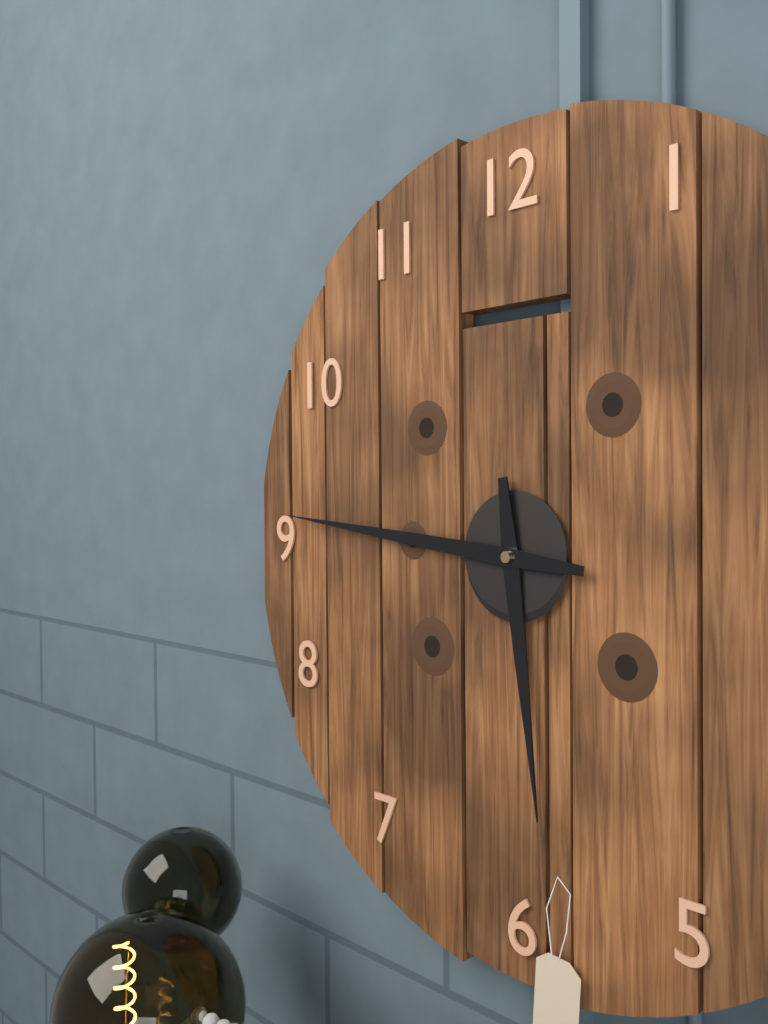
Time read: 5:46
